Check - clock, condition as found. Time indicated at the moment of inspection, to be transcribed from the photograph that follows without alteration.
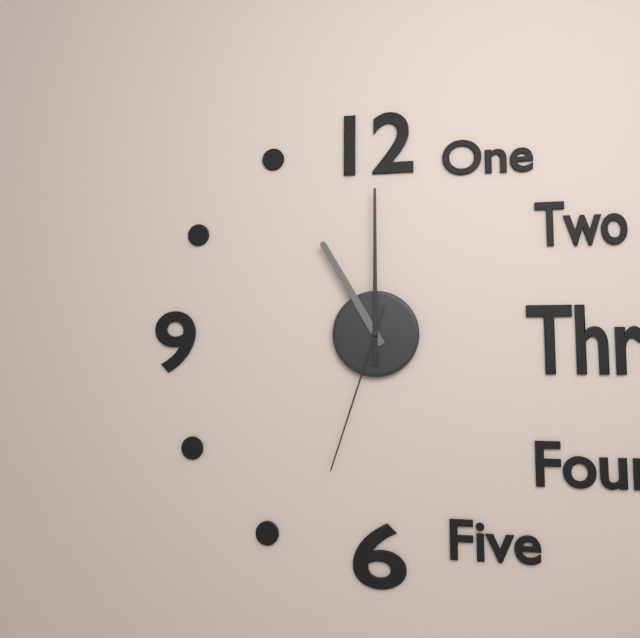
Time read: 11:00:33
